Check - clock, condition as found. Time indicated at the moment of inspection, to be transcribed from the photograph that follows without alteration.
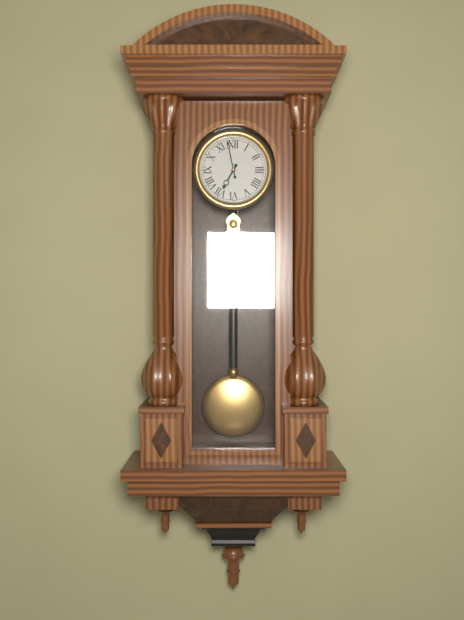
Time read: 6:58
